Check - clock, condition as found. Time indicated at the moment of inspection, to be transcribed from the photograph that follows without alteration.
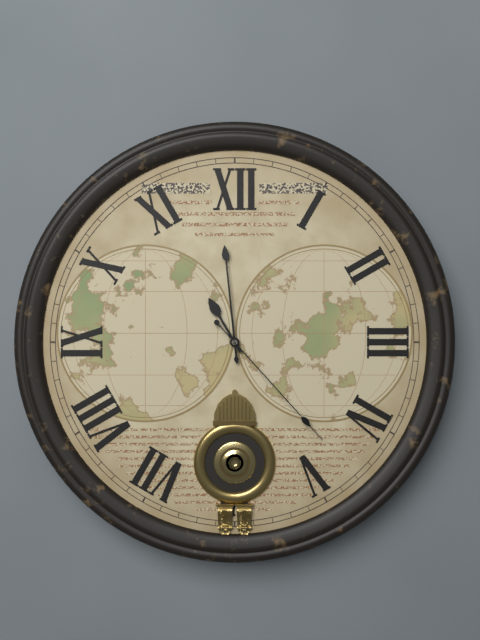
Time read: 10:59:23
